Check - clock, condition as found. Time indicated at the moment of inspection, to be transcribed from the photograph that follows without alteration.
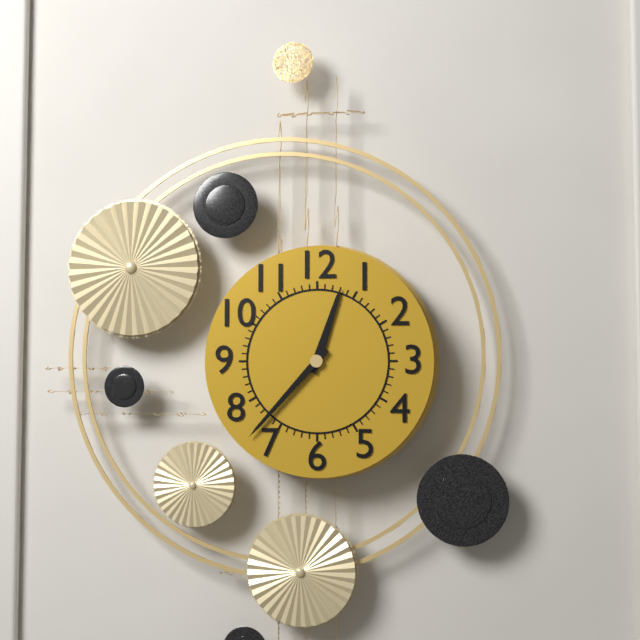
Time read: 12:37
